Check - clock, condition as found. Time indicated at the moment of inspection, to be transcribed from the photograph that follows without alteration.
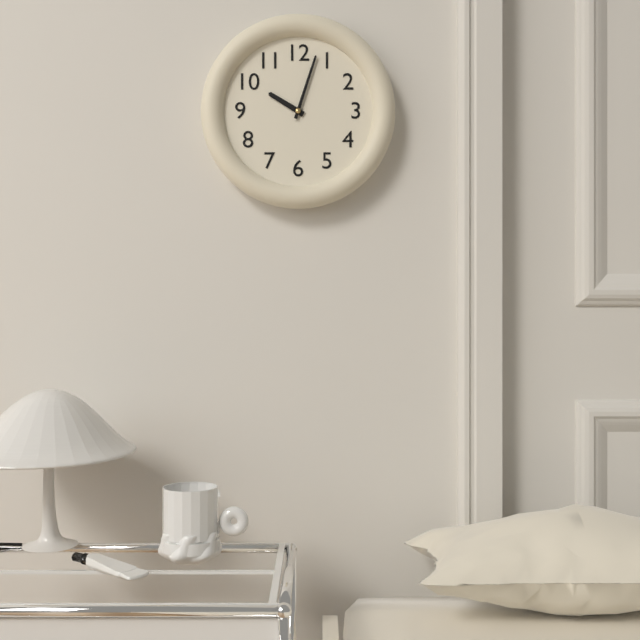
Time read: 10:03
